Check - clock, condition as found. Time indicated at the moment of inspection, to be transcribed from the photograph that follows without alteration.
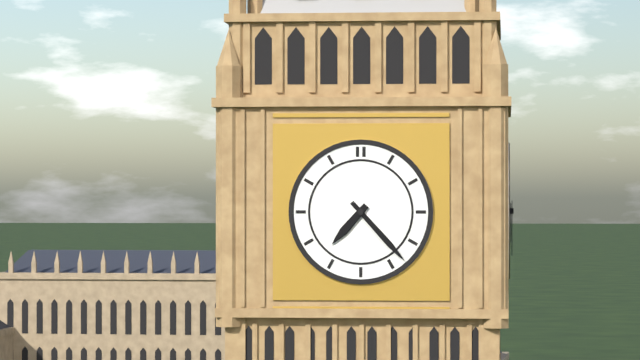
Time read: 7:23
